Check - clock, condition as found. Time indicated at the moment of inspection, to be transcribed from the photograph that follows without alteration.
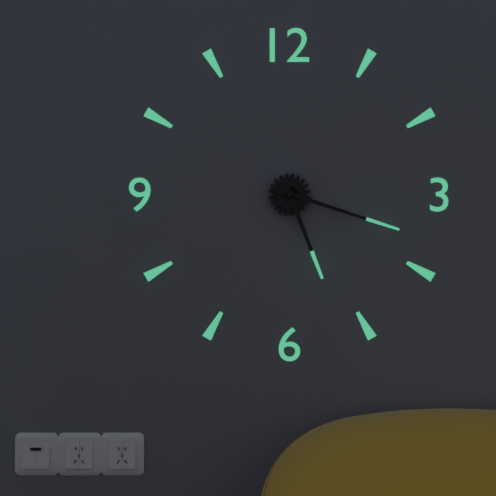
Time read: 5:18
